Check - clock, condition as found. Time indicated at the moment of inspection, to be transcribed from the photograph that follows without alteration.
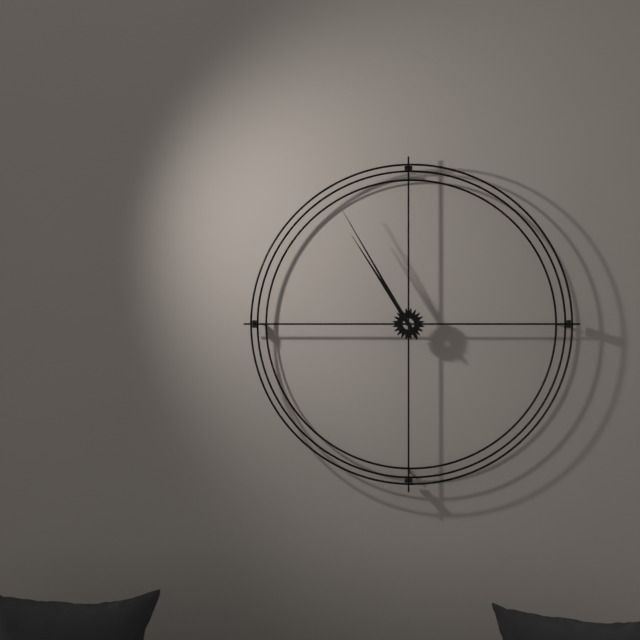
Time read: 10:55
